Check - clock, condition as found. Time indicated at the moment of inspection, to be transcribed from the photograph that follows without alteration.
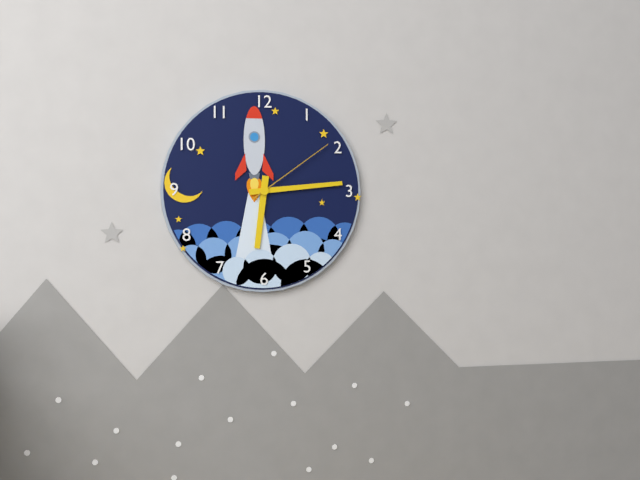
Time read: 6:14:09
